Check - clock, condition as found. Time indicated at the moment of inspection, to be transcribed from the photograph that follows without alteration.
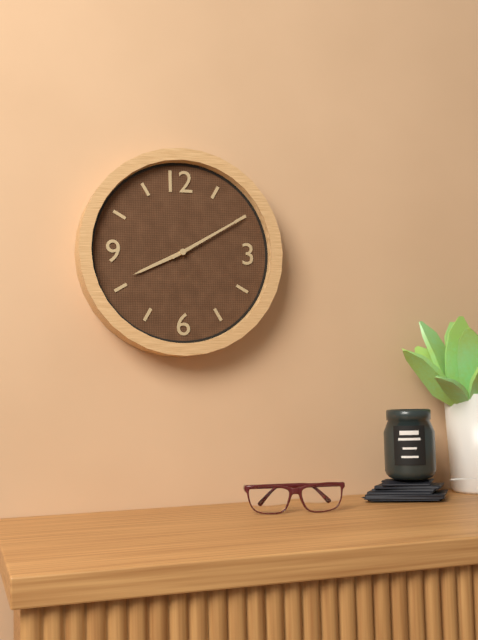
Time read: 8:10
